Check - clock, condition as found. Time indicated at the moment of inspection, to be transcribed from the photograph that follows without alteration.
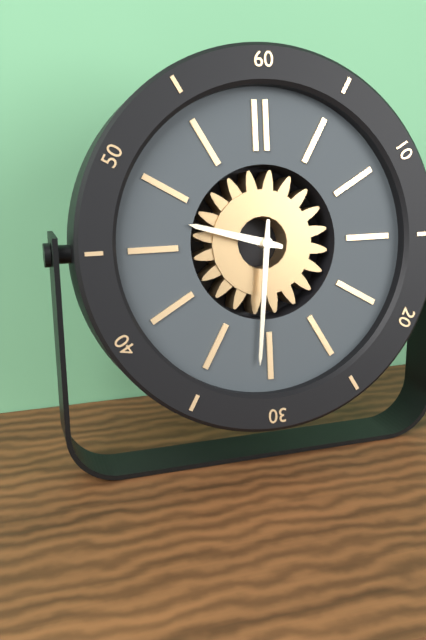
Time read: 9:31
